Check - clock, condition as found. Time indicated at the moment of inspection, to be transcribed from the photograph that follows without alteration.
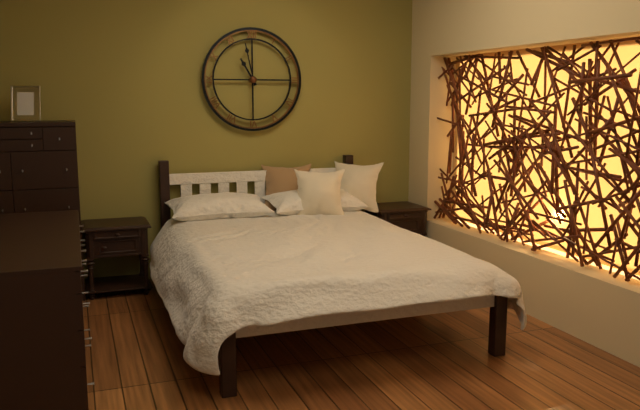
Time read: 10:58
